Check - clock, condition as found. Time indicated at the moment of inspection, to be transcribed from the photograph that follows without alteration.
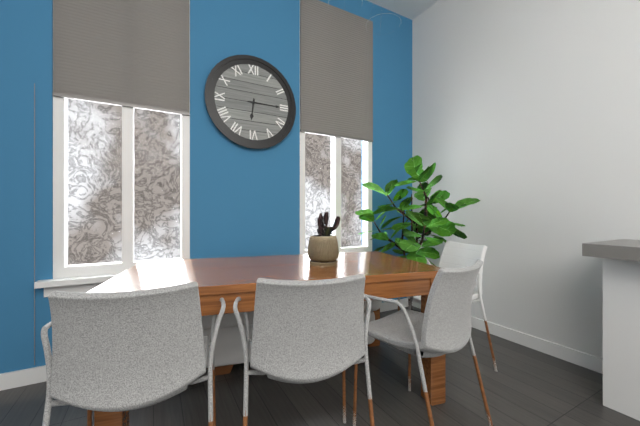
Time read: 6:15
